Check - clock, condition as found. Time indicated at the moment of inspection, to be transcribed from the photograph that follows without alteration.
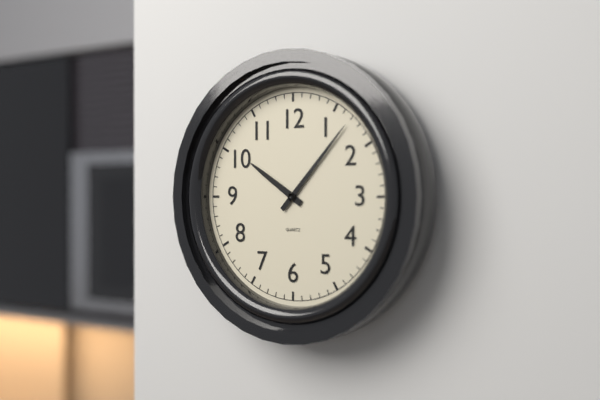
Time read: 10:07
